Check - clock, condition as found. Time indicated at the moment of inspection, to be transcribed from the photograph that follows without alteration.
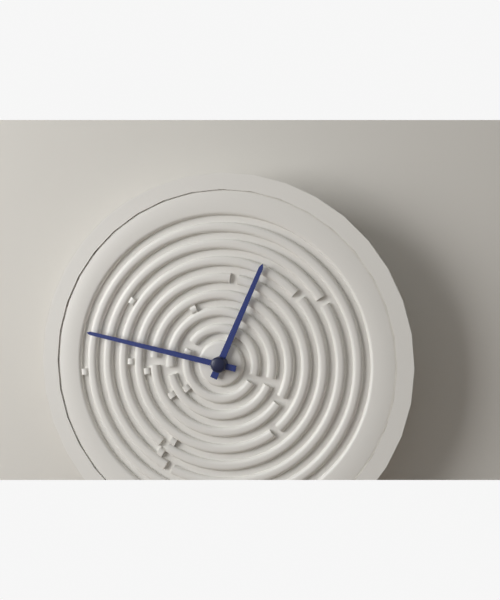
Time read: 12:47
